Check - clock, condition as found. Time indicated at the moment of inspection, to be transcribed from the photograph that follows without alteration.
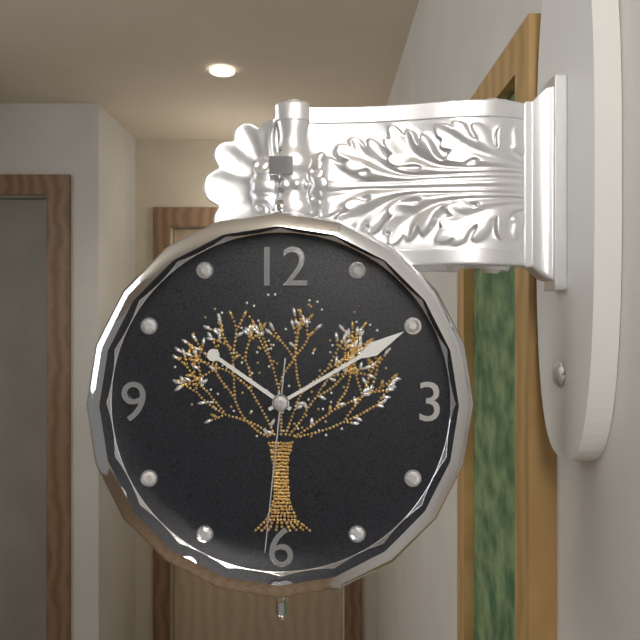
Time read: 10:10:31
